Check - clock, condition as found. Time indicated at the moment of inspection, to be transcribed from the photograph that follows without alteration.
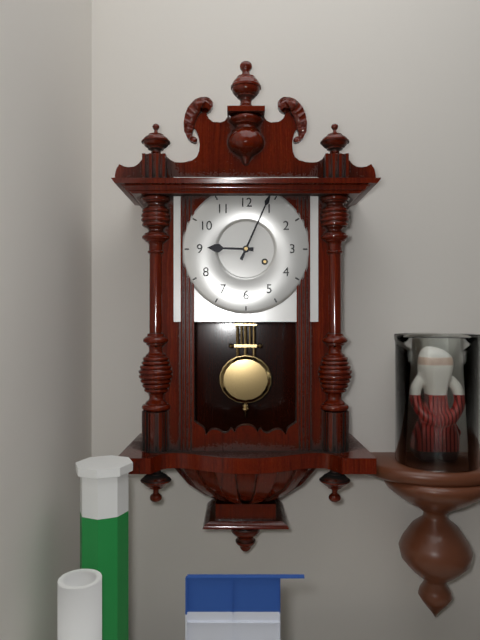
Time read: 9:04
